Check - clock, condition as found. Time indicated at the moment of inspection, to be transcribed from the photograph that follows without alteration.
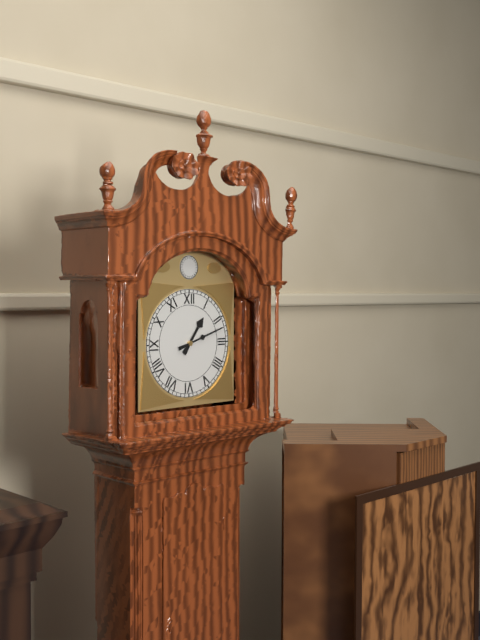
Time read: 1:12
